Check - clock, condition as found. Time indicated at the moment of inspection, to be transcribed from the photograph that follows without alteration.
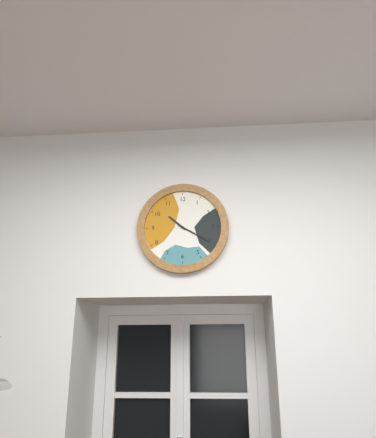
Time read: 10:20
